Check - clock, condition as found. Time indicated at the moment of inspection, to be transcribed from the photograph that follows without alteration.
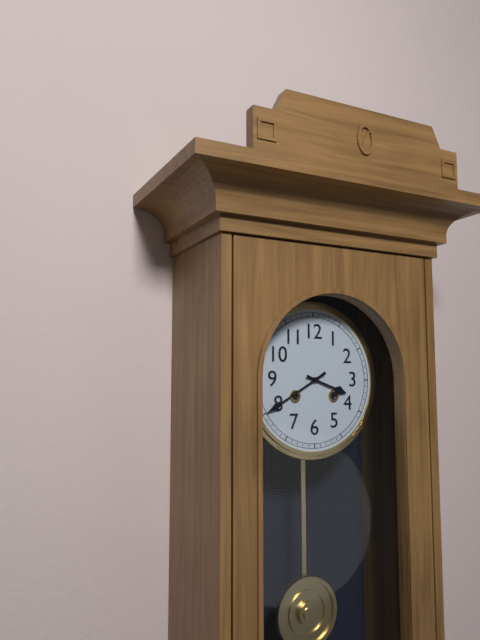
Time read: 3:40
